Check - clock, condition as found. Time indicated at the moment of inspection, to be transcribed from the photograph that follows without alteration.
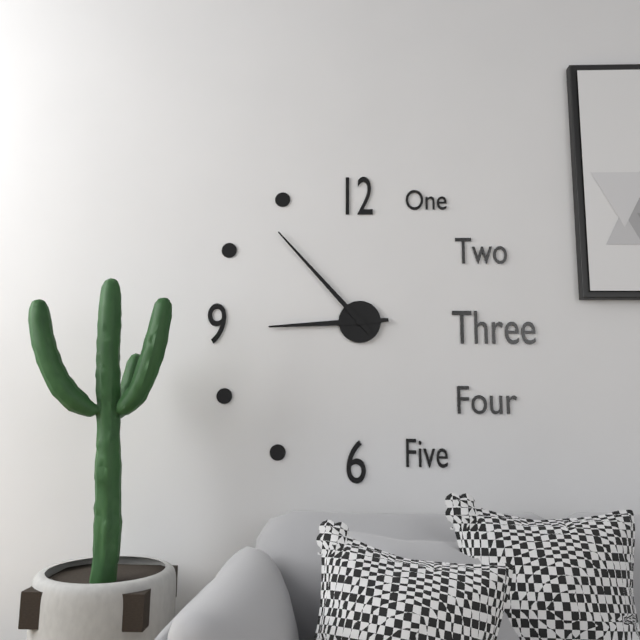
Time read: 8:53
